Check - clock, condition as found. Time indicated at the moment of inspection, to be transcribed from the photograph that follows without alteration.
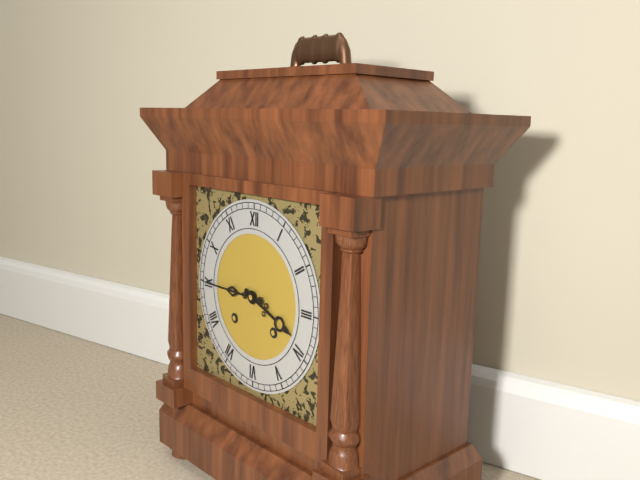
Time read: 3:45
